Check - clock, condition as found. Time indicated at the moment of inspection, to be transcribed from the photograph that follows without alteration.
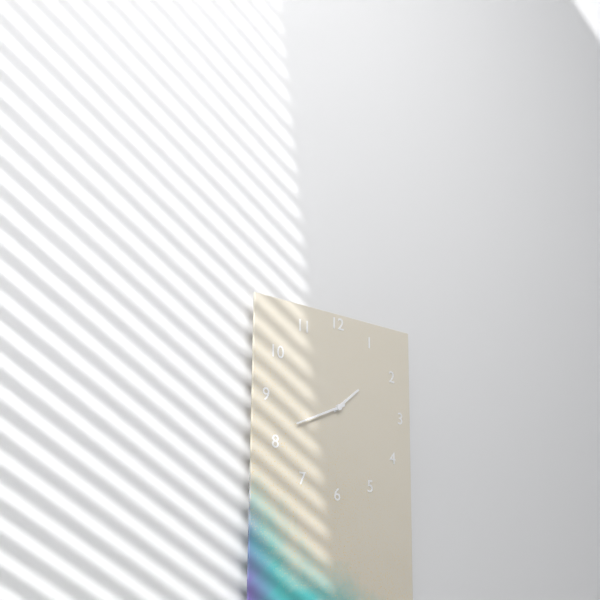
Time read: 1:41
